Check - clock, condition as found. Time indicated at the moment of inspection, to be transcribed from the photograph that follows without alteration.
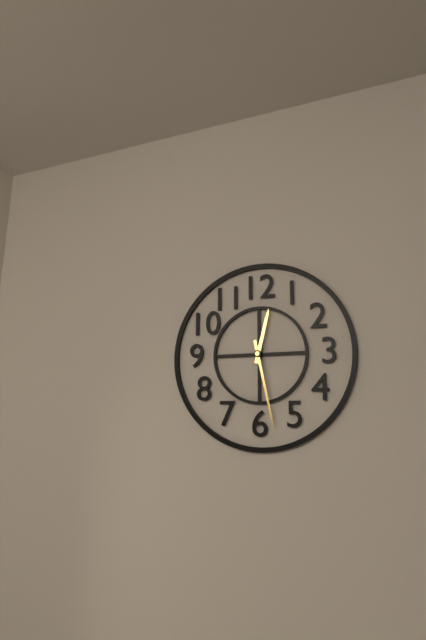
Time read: 12:28
